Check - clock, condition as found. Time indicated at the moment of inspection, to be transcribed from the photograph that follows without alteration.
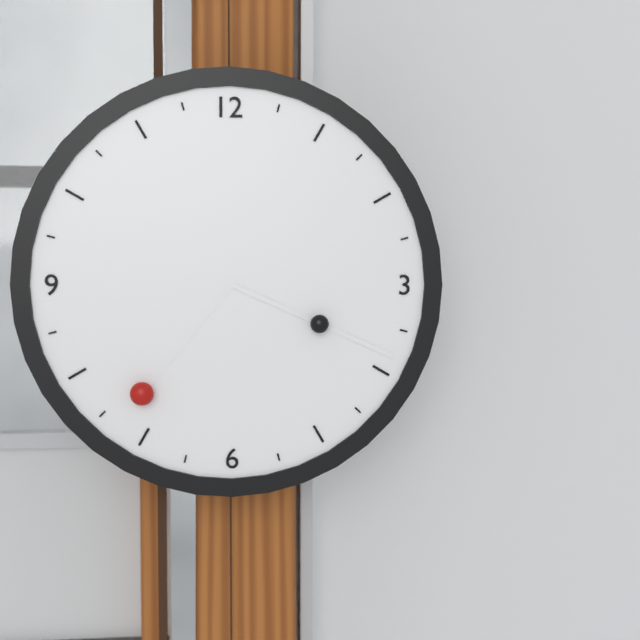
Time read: 7:19
